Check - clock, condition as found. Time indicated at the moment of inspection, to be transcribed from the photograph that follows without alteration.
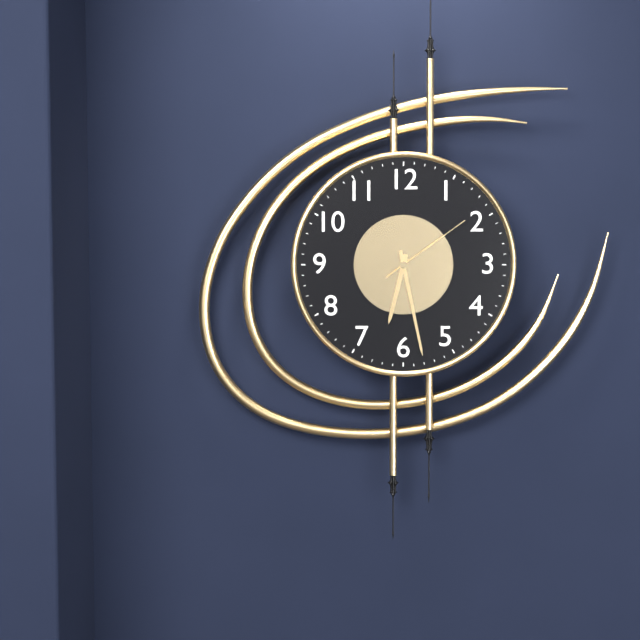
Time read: 6:28:09
